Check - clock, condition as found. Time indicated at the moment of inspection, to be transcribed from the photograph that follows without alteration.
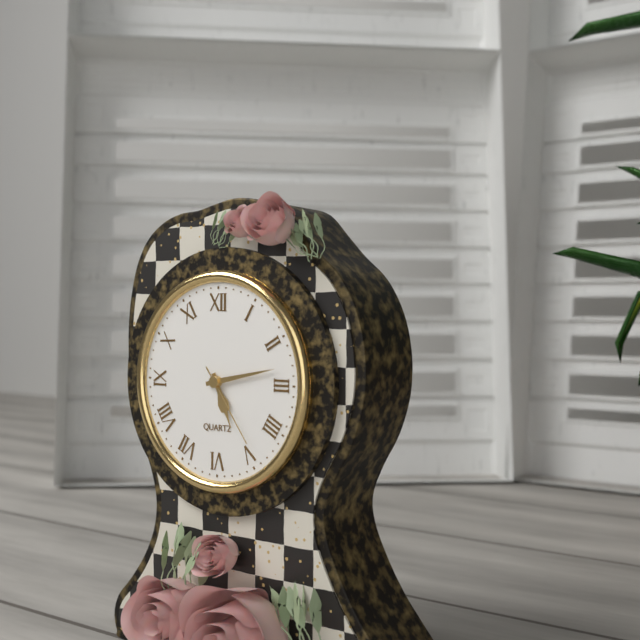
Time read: 5:13:24
